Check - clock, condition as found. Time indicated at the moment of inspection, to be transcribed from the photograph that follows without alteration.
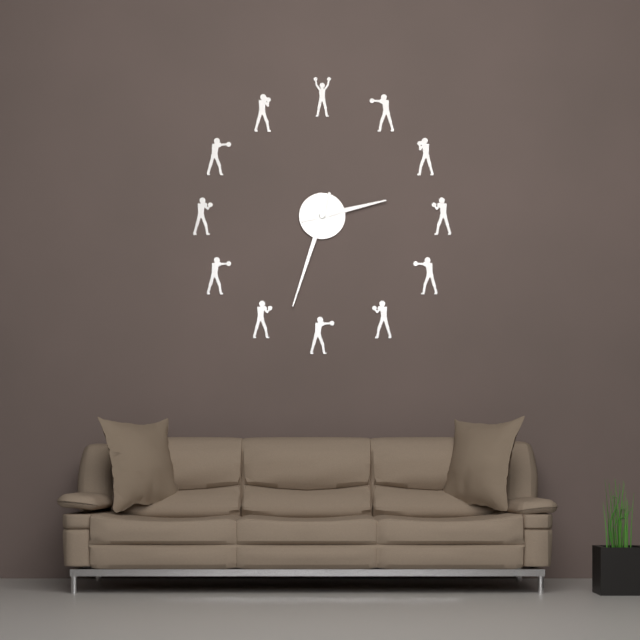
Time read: 2:33
